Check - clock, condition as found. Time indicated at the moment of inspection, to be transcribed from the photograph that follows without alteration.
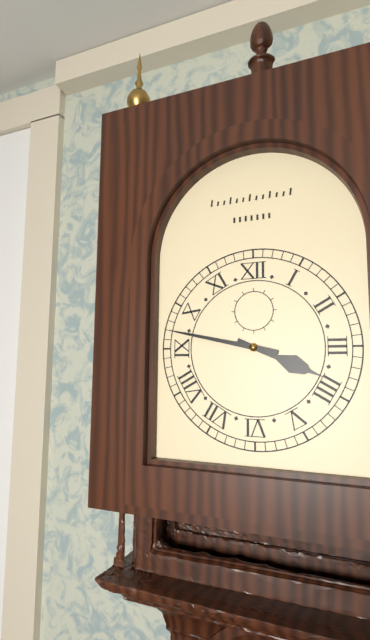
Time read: 3:47
